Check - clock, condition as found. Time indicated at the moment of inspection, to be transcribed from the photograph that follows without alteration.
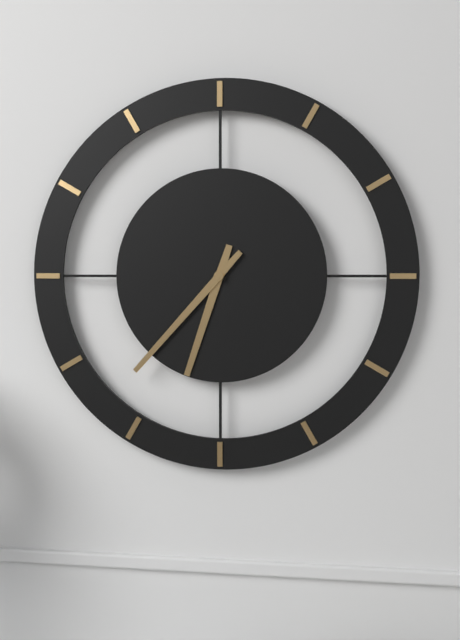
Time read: 6:37
